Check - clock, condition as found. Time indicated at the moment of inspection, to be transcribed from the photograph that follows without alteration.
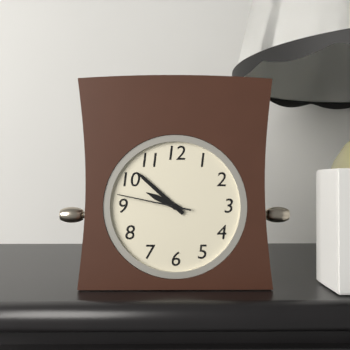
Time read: 9:52:47
